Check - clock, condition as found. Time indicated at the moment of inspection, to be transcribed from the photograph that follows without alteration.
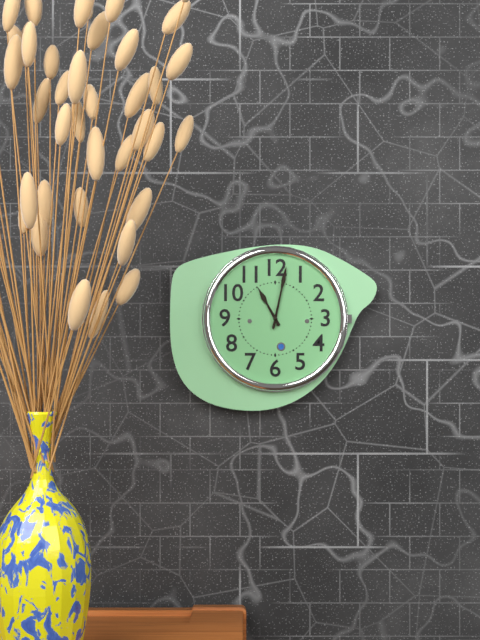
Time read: 11:02
